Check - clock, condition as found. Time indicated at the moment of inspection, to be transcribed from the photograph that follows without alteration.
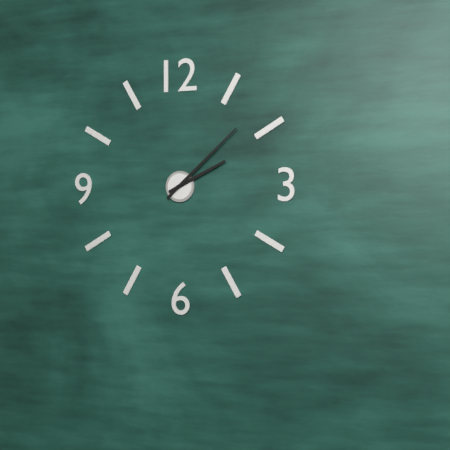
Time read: 2:08
